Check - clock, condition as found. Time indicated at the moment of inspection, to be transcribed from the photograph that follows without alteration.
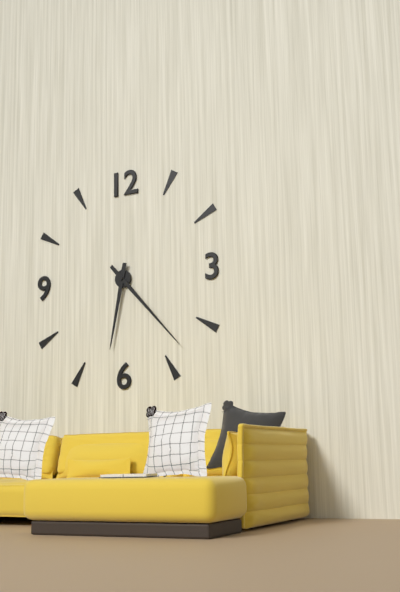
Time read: 6:23
